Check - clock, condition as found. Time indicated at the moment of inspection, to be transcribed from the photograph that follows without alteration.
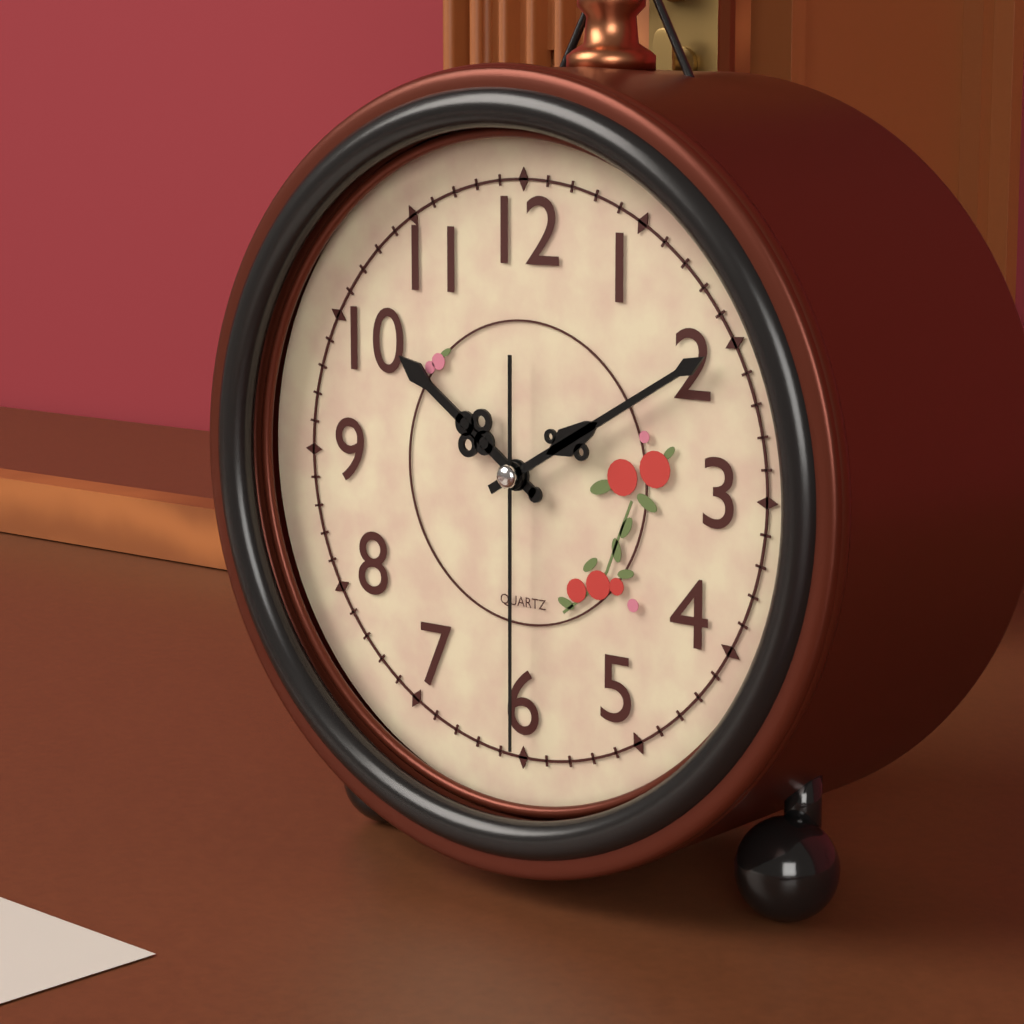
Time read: 10:10:30
